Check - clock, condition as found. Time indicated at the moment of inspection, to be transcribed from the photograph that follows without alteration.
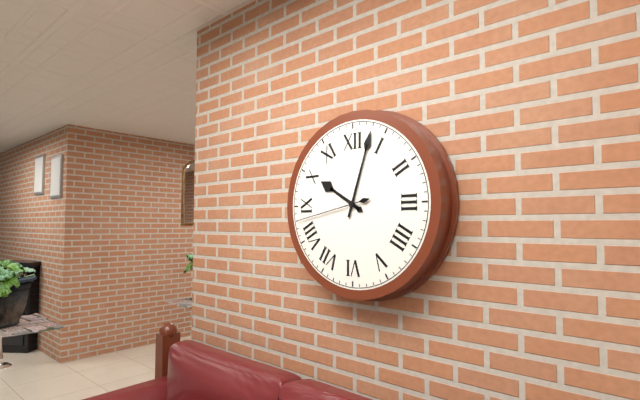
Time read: 10:03:43
